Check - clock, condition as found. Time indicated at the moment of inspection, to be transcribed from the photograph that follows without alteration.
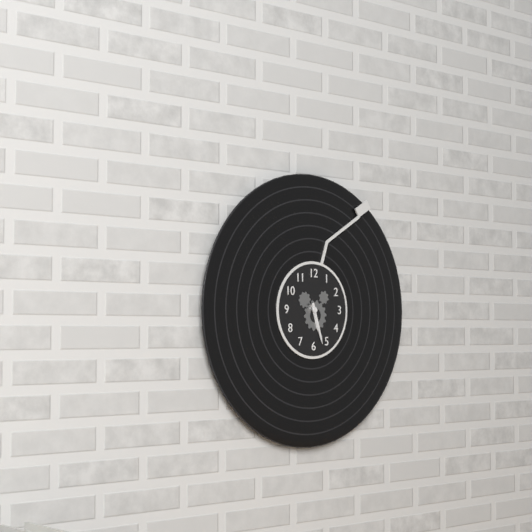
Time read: 5:27
